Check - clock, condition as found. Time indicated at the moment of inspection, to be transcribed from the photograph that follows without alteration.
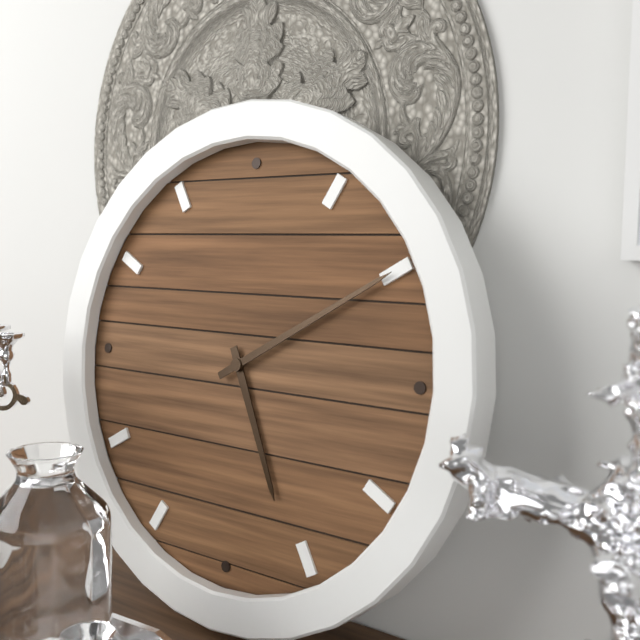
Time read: 5:10
